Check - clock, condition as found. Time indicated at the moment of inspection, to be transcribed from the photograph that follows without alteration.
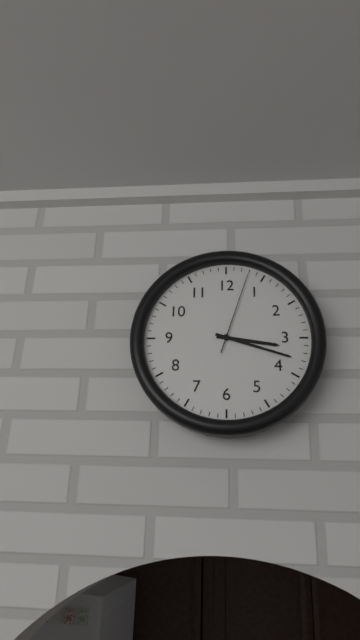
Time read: 3:18:03
